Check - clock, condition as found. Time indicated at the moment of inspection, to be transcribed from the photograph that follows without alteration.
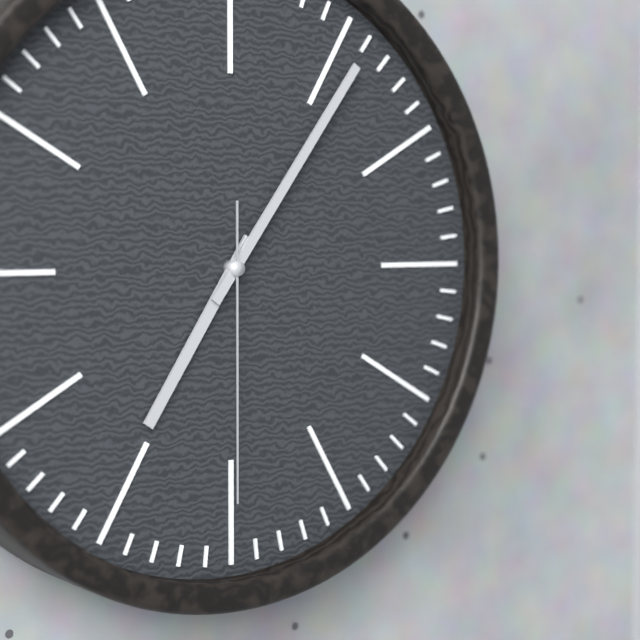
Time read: 7:06:30
